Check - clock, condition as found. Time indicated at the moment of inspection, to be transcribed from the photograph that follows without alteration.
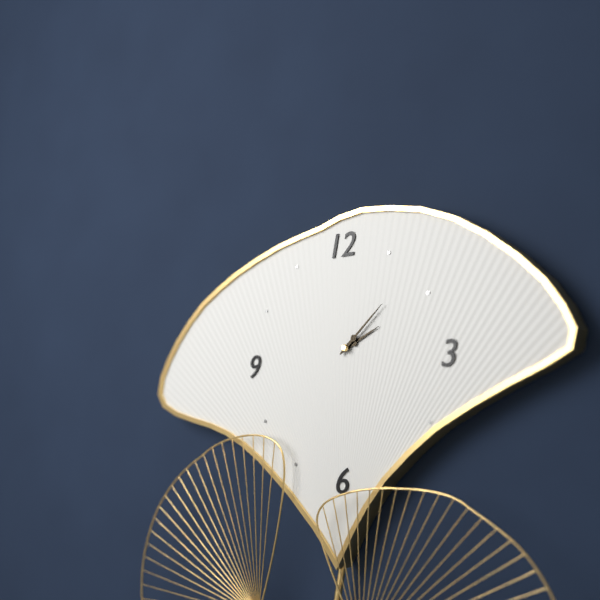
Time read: 2:08
